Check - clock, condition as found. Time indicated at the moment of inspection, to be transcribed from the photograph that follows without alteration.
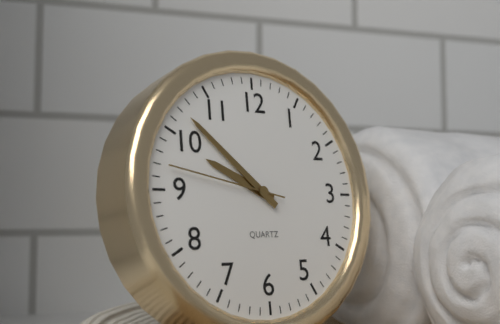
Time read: 9:52:47
